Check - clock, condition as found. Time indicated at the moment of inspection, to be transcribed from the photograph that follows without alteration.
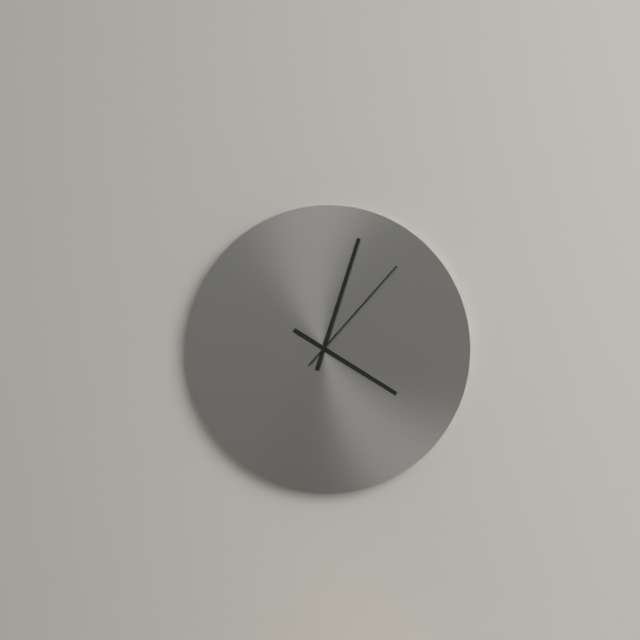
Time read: 4:03:07
